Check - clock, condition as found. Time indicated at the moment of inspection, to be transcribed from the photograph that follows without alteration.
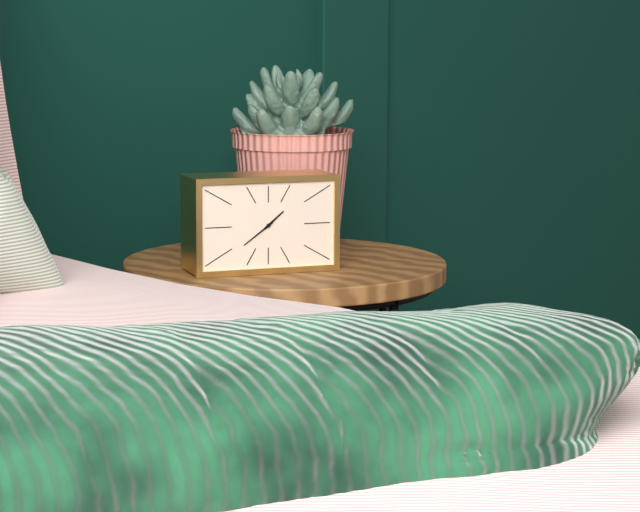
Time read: 1:39
